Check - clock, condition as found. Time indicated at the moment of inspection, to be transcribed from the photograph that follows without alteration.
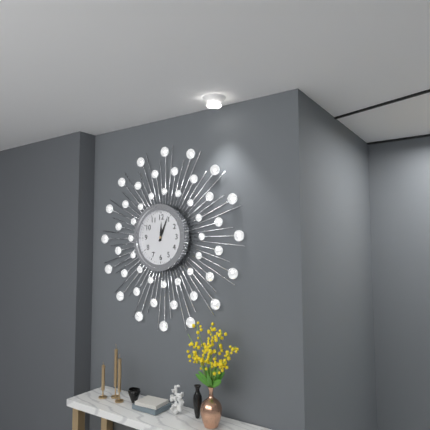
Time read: 12:04
